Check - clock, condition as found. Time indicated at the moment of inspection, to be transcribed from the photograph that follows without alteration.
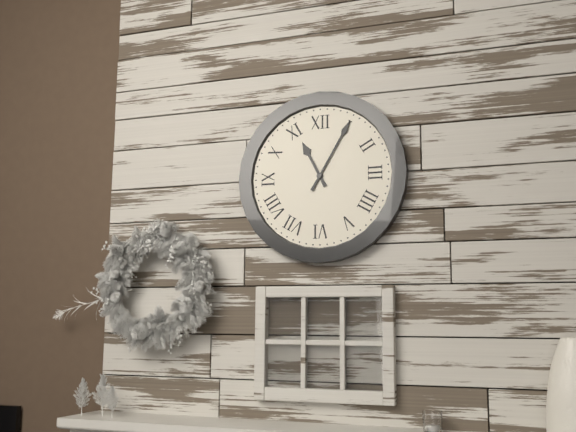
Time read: 11:05
